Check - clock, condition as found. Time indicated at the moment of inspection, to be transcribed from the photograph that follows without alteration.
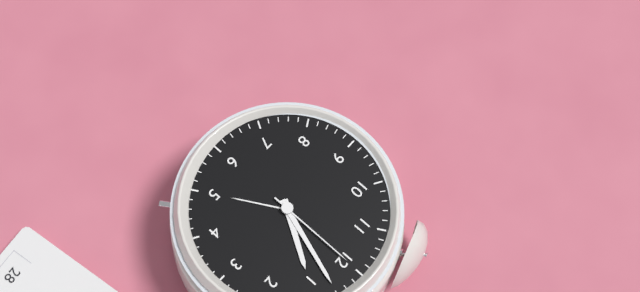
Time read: 1:03:00
